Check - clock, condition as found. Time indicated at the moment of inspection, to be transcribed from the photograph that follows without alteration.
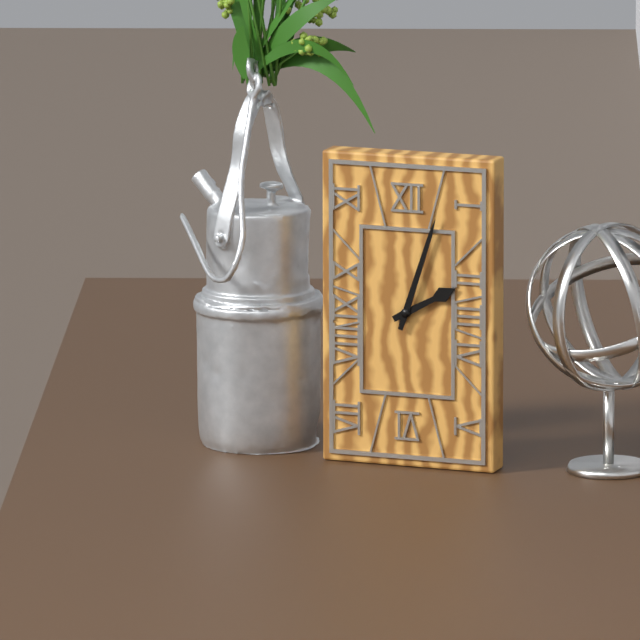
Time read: 2:03
